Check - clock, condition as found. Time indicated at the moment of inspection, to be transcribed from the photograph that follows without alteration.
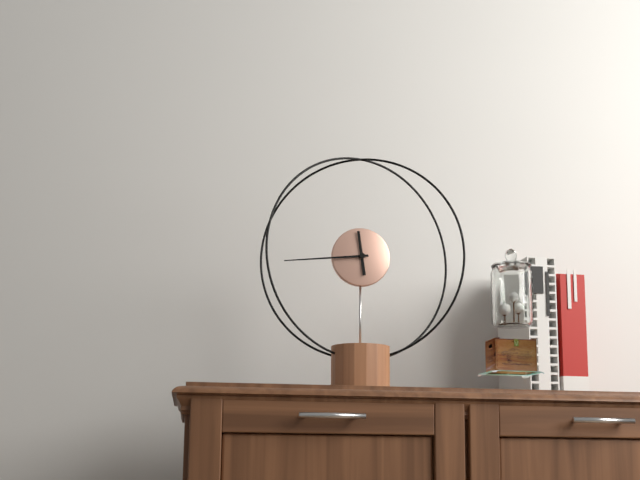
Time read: 11:44
